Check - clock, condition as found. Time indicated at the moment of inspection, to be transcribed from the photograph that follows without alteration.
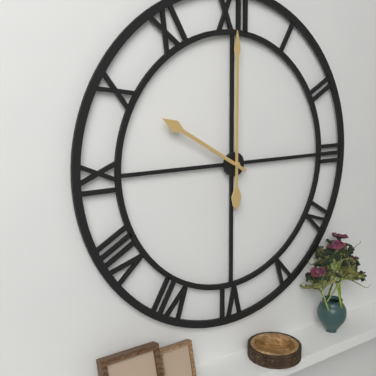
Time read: 10:00
